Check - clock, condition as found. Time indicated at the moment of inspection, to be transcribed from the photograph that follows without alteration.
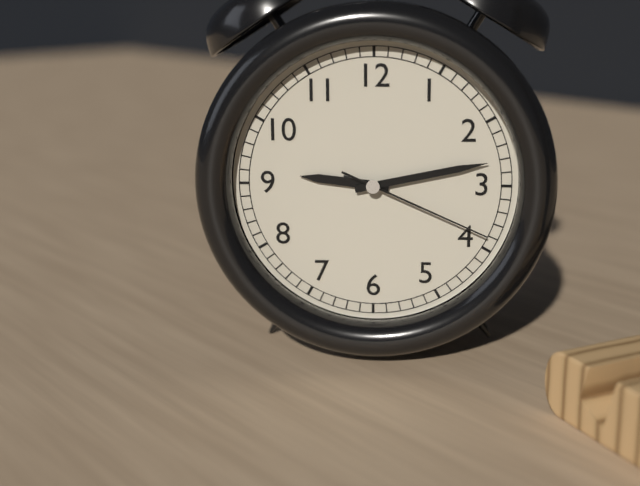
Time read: 9:13:19
